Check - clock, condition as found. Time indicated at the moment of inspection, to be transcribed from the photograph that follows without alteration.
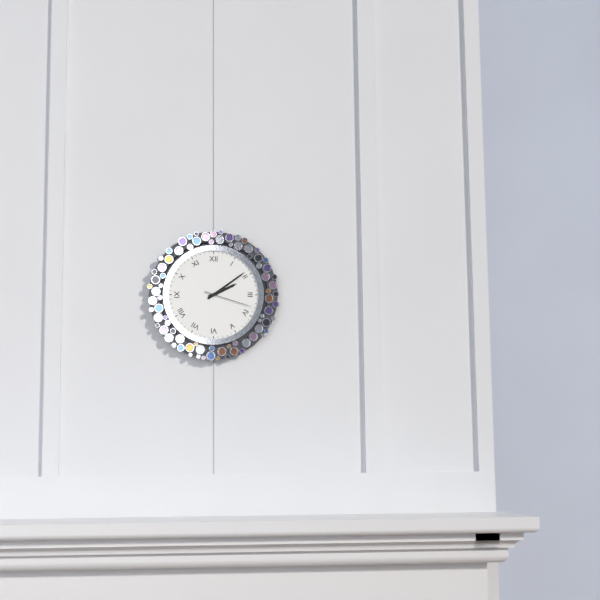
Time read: 2:09:18
